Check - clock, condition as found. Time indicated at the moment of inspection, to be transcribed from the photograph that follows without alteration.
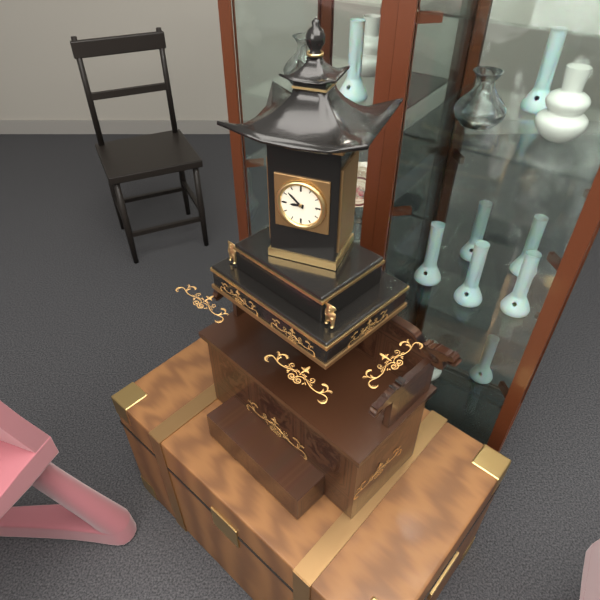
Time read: 8:52
